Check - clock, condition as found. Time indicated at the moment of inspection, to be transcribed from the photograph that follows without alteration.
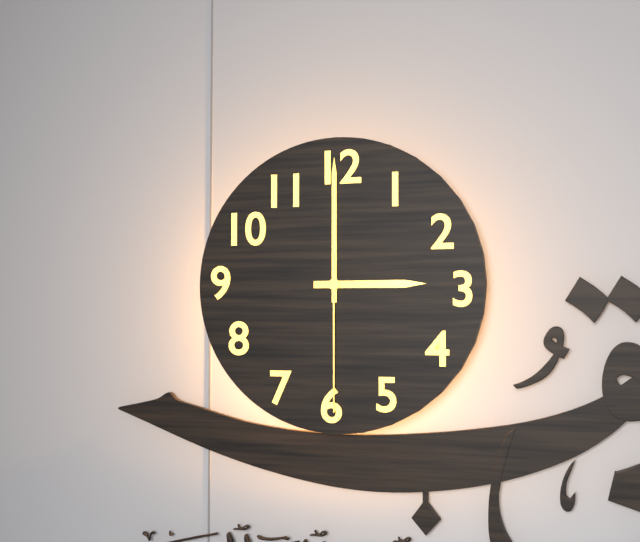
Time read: 3:00:30
